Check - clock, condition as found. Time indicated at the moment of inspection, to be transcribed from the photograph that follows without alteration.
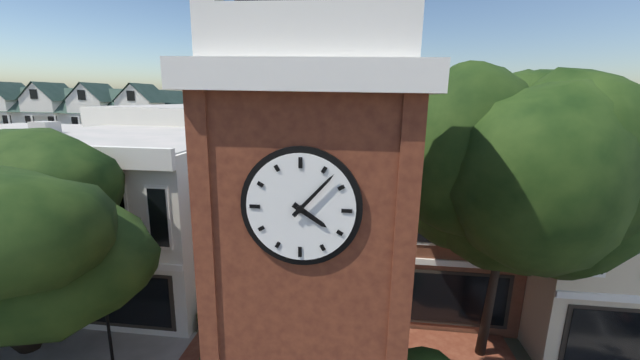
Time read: 4:07
